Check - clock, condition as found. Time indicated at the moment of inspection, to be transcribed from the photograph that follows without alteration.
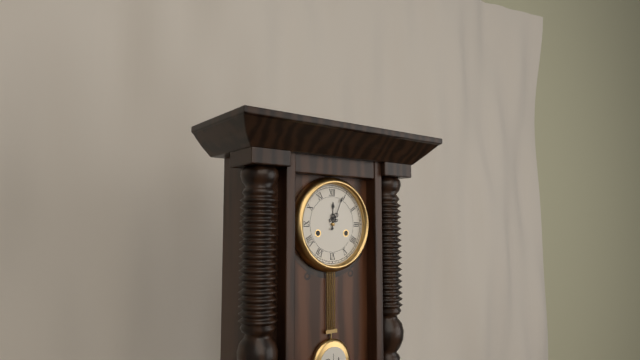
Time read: 12:04
